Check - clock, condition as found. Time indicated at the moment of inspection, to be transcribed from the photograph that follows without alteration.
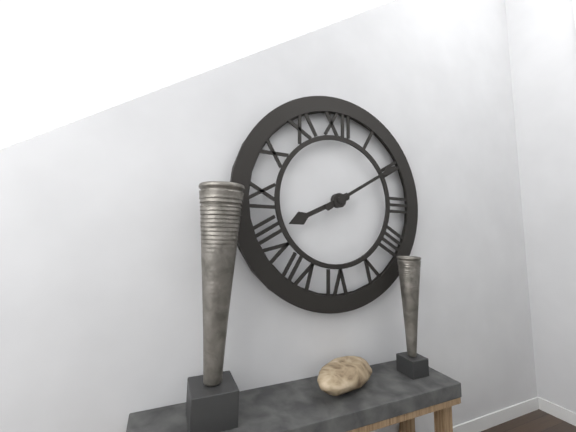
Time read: 8:10
